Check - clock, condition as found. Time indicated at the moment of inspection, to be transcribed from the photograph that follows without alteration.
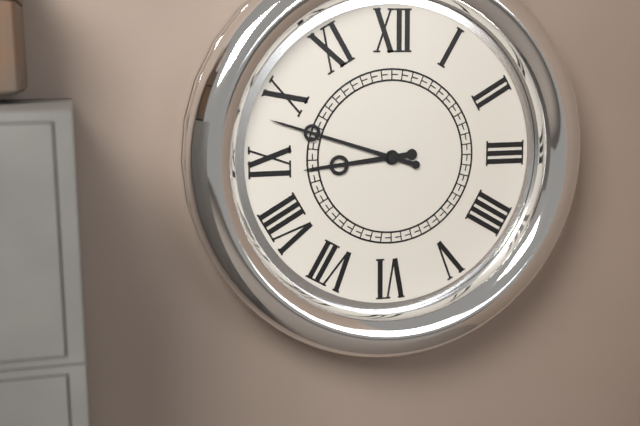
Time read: 8:48
